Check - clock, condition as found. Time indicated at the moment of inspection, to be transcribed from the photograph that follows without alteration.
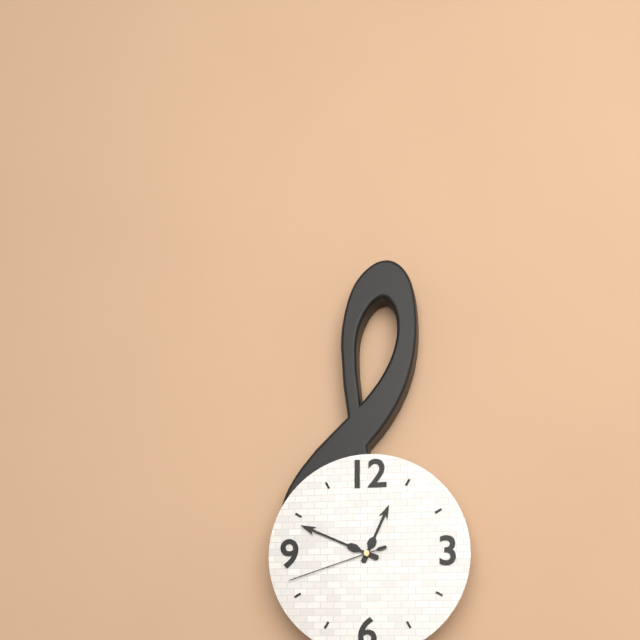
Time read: 12:49:42
